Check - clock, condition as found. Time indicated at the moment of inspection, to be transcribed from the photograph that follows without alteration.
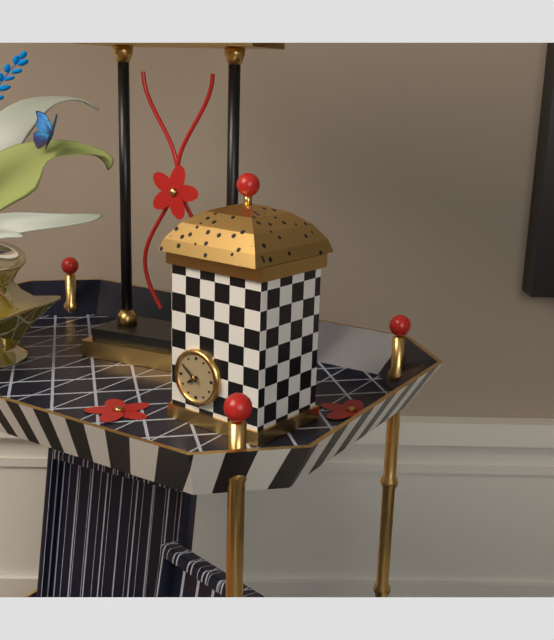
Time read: 7:51
